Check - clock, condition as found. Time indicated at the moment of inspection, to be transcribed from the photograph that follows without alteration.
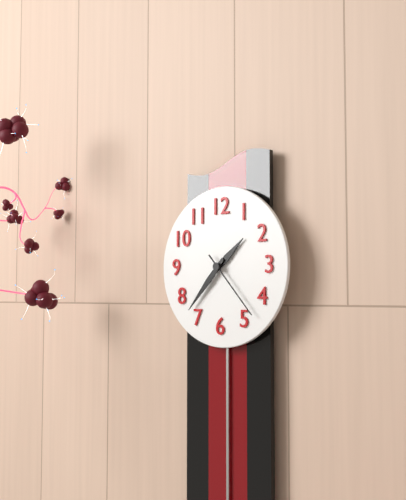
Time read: 1:37:23
